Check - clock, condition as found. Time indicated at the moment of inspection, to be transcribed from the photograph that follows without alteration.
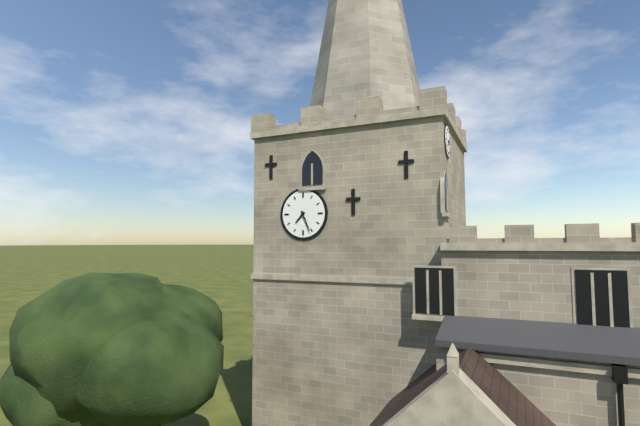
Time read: 7:26
